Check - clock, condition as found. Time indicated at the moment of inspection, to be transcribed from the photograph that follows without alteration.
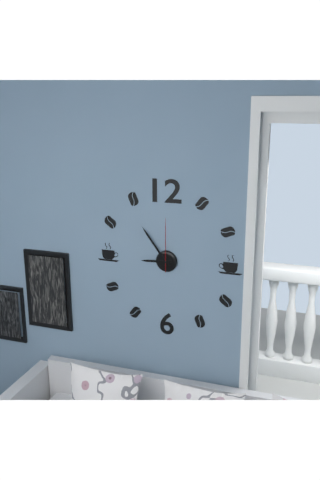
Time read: 8:54:00
